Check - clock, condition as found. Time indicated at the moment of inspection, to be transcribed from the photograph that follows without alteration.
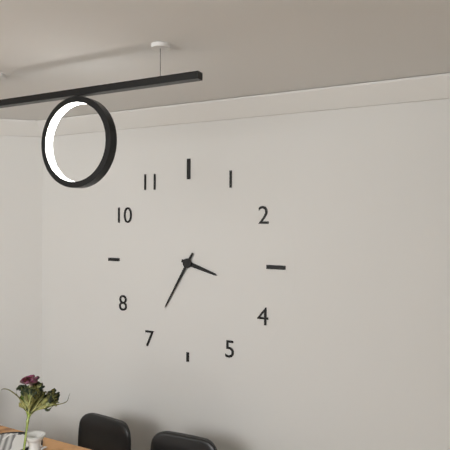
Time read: 3:35
